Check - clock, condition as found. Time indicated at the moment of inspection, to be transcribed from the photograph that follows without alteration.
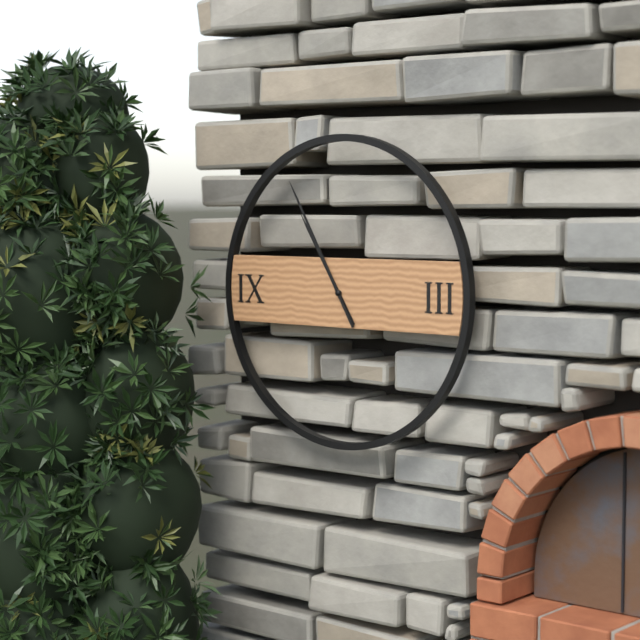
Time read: 10:55
